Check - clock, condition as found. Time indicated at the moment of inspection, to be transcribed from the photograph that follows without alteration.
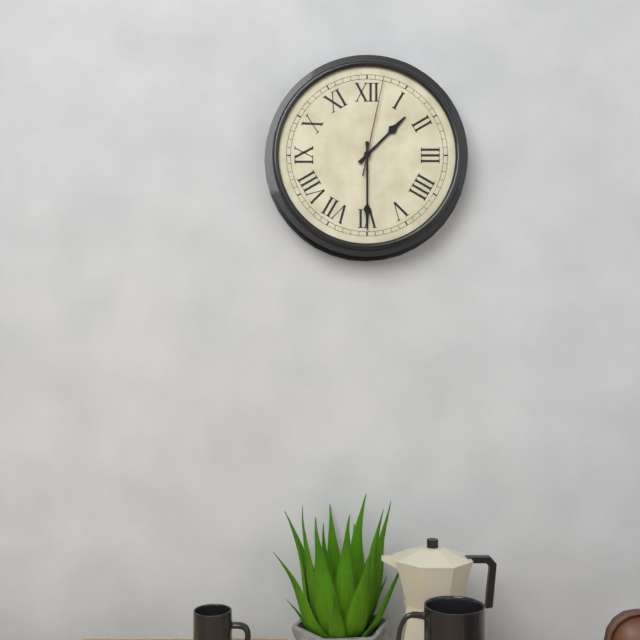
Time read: 1:30:02
